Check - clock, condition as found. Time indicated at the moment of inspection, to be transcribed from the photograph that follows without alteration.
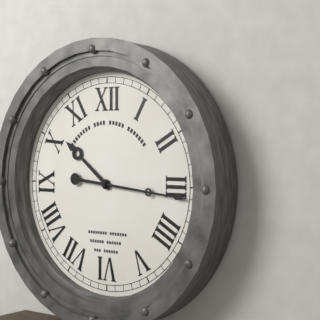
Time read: 10:16
